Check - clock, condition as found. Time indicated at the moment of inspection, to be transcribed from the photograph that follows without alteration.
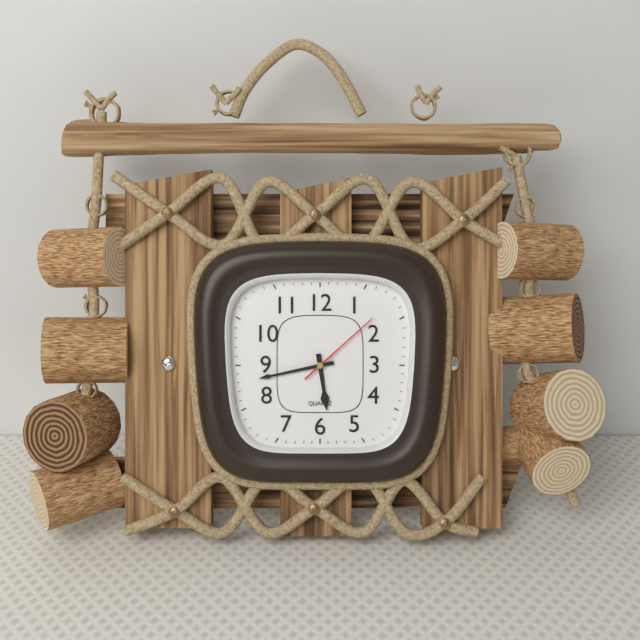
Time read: 5:43:08
